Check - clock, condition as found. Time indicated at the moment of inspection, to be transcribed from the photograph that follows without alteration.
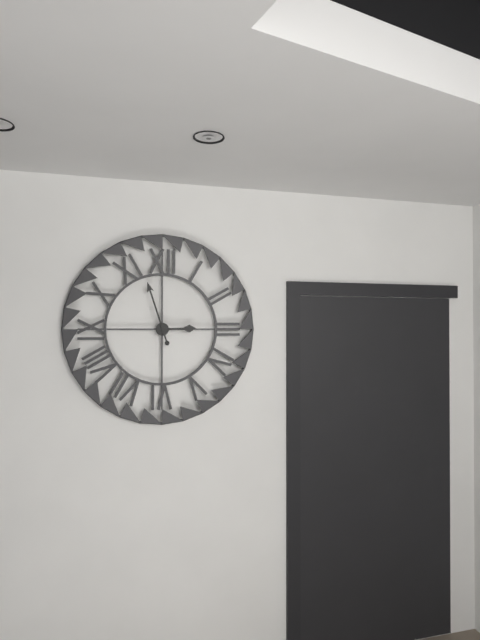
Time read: 2:57
